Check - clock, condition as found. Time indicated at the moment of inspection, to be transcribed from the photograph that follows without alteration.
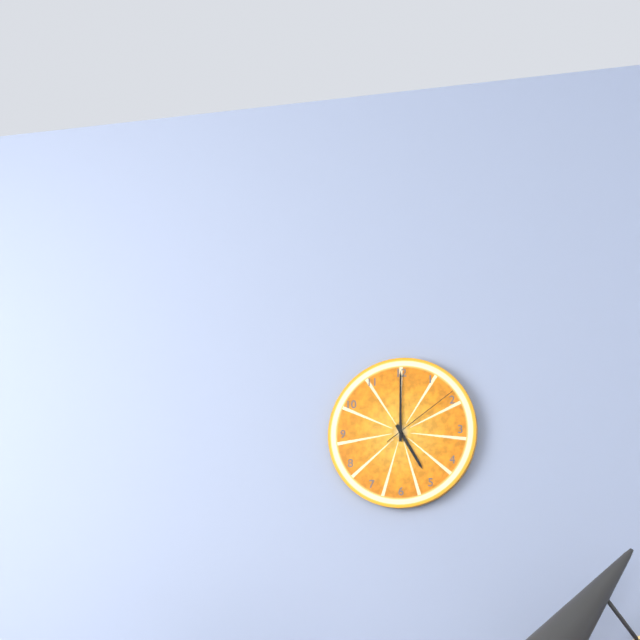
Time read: 5:00:09
